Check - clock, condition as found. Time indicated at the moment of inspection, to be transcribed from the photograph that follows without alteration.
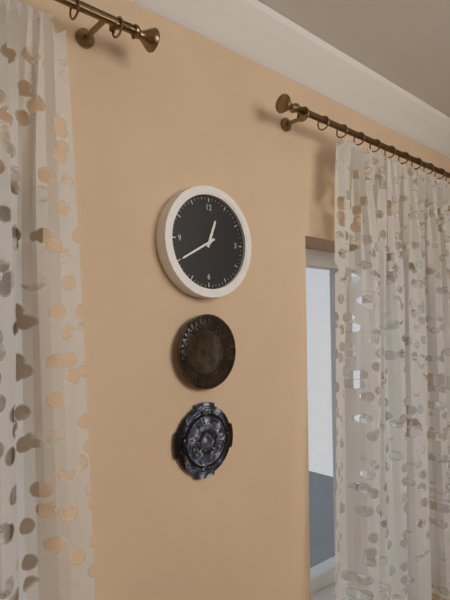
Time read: 12:40
